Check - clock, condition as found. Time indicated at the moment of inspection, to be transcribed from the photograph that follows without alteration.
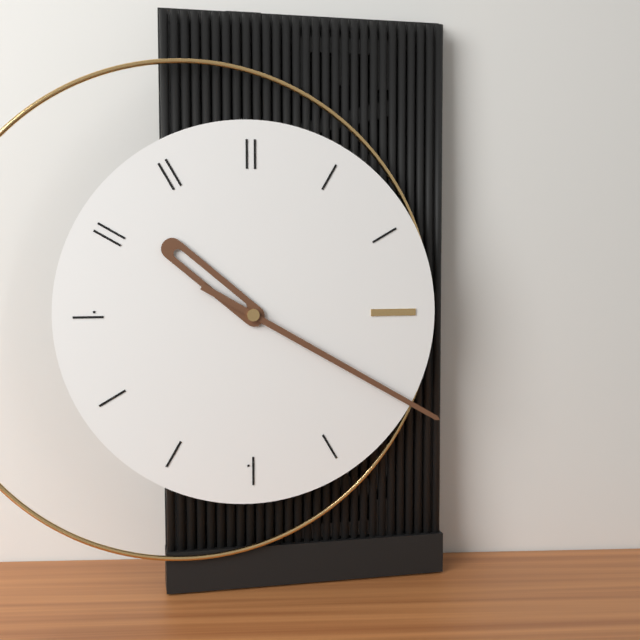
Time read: 10:20
